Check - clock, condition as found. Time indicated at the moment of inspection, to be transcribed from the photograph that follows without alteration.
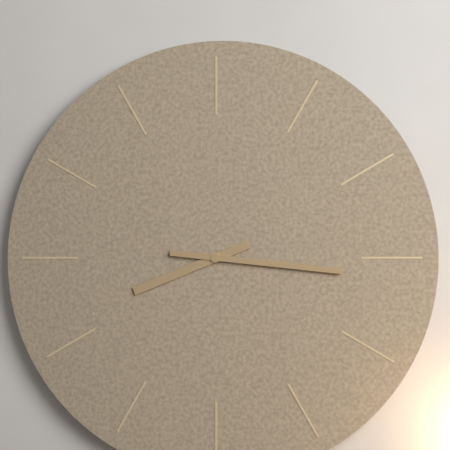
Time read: 8:16
